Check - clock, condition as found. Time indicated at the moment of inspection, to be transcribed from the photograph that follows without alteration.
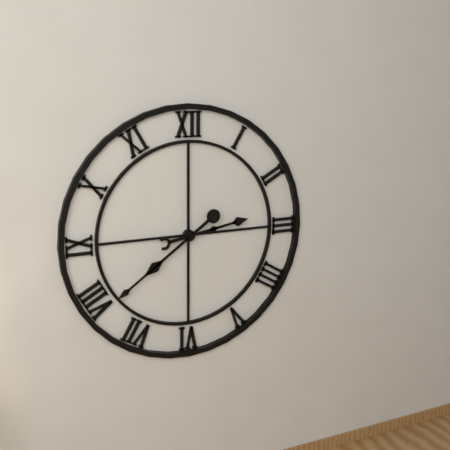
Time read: 2:39
